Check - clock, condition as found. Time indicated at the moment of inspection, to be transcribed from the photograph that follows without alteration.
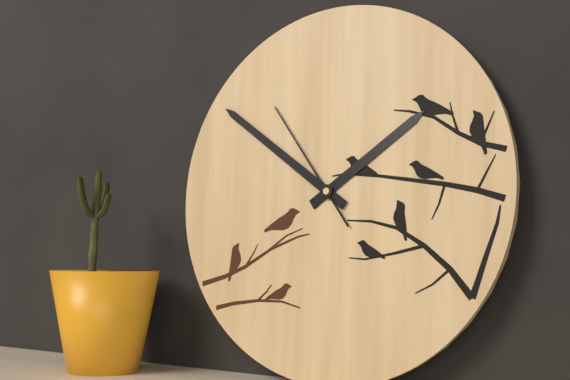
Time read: 1:51:54
